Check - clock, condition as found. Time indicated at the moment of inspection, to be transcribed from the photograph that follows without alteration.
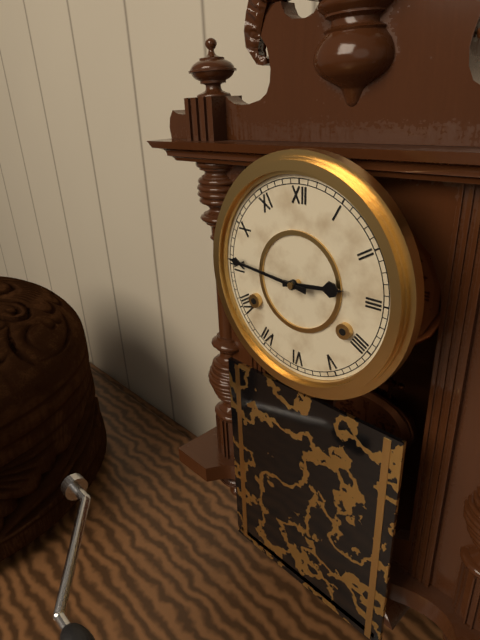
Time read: 2:46
